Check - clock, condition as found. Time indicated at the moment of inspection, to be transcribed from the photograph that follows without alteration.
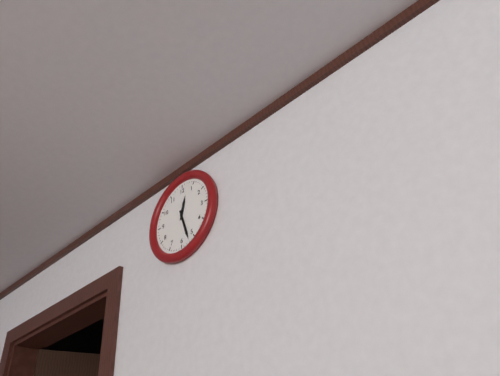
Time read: 12:27
